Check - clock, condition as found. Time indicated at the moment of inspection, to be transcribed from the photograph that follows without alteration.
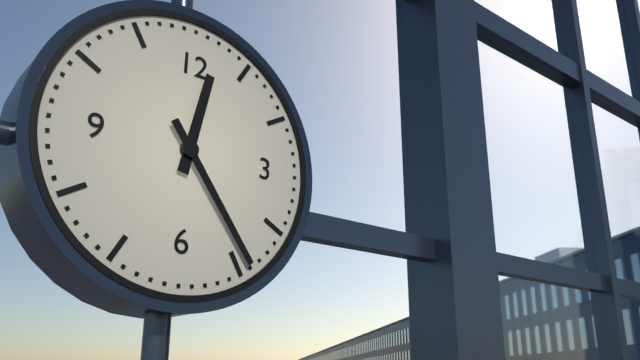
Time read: 12:24
